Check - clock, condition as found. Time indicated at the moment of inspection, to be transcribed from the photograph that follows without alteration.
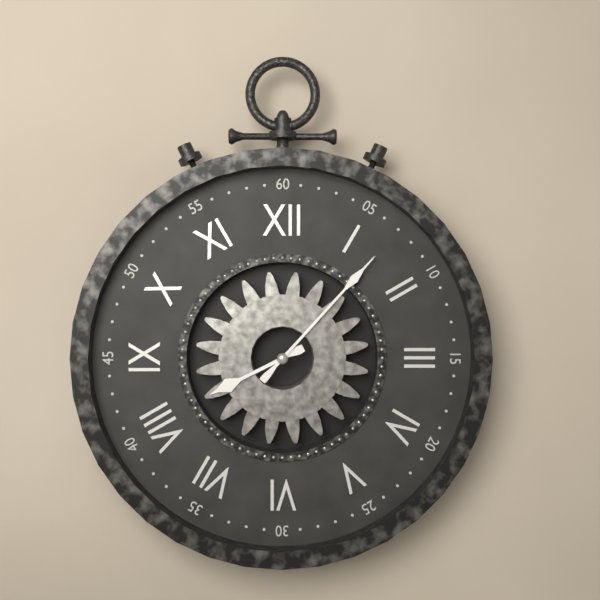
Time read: 8:07
